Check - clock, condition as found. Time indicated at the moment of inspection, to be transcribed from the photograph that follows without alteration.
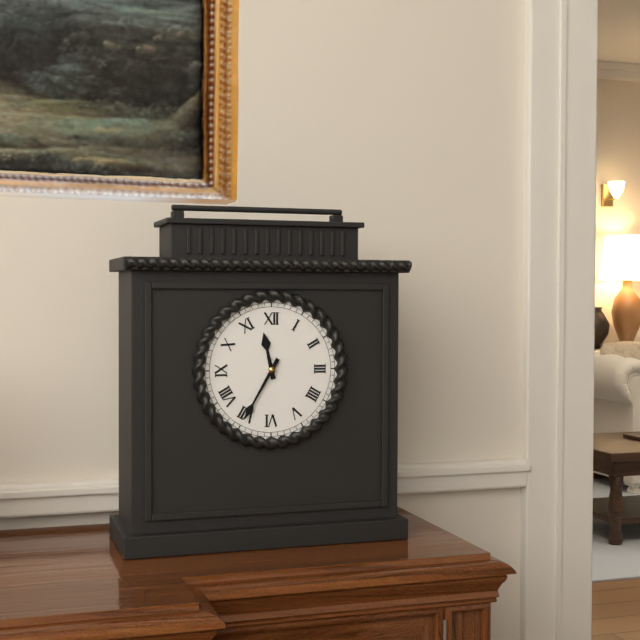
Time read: 11:35
